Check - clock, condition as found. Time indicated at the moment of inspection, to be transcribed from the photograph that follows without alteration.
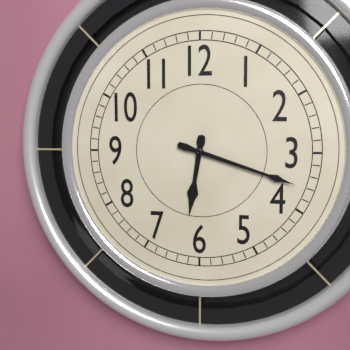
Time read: 6:18
